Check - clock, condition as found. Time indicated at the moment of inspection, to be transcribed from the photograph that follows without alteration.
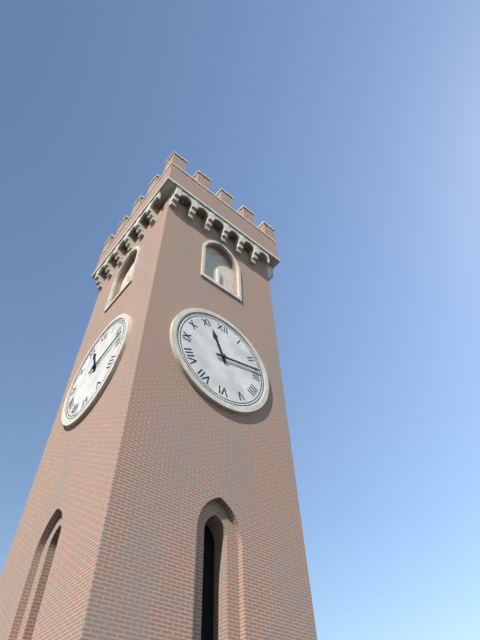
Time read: 11:13
